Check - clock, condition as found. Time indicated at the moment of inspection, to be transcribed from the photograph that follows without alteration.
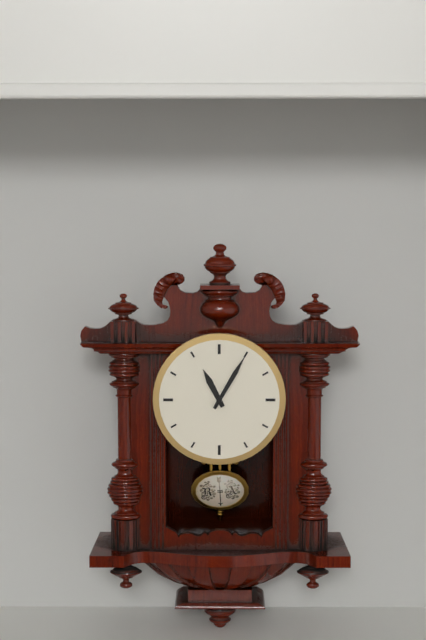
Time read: 11:05
